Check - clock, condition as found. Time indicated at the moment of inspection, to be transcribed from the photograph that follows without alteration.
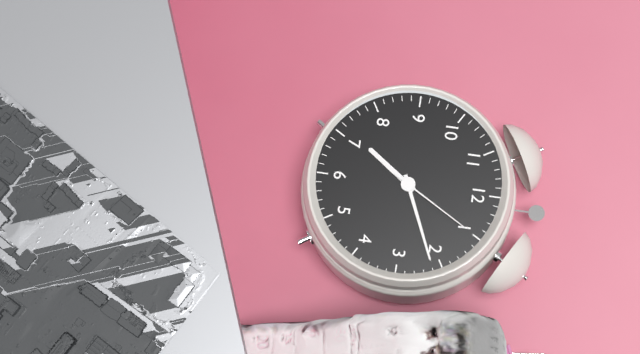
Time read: 7:11:05
